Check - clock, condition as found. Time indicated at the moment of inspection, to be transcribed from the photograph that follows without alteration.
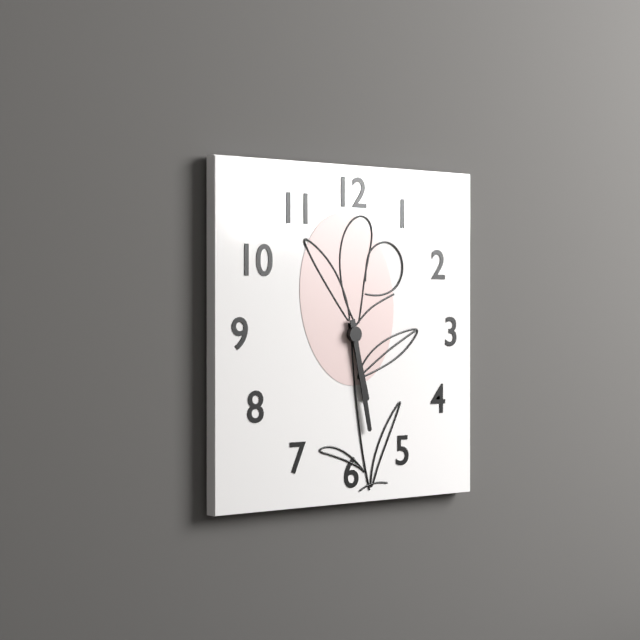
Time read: 5:28
